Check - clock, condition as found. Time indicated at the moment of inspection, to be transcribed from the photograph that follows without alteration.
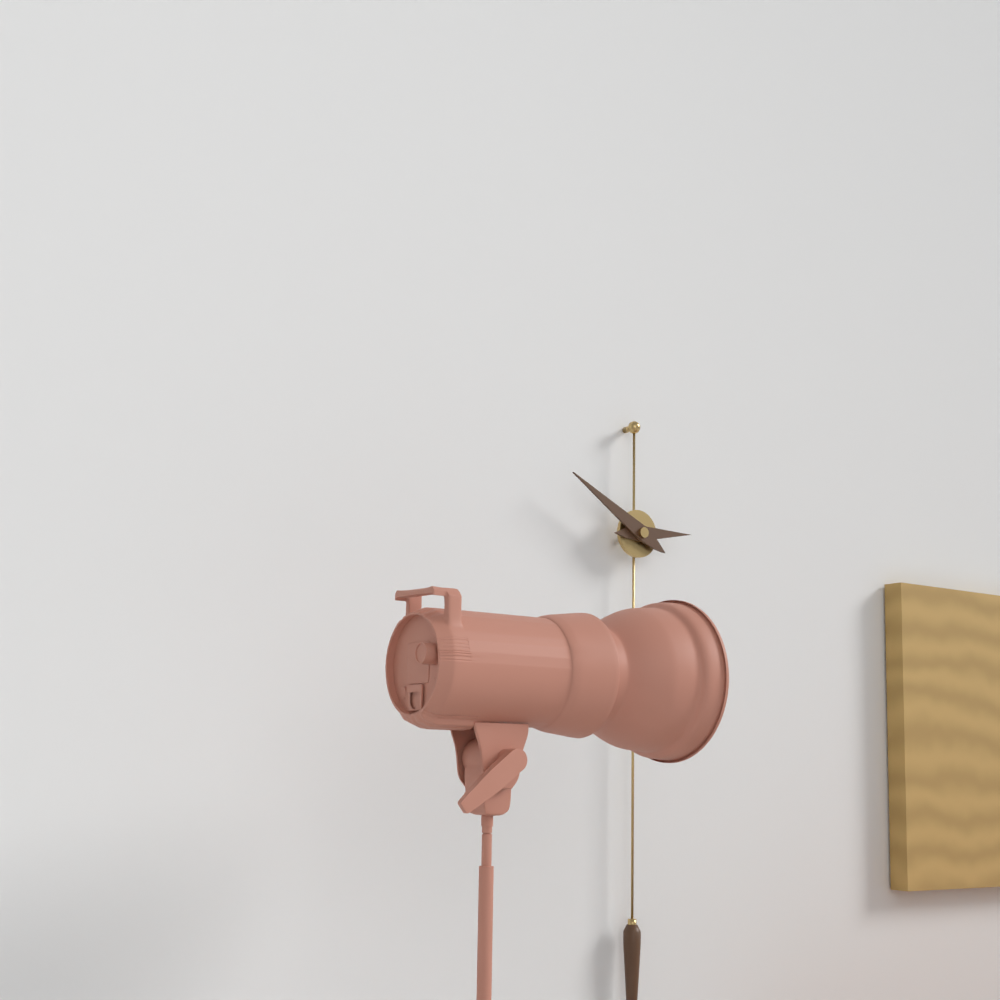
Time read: 2:50
